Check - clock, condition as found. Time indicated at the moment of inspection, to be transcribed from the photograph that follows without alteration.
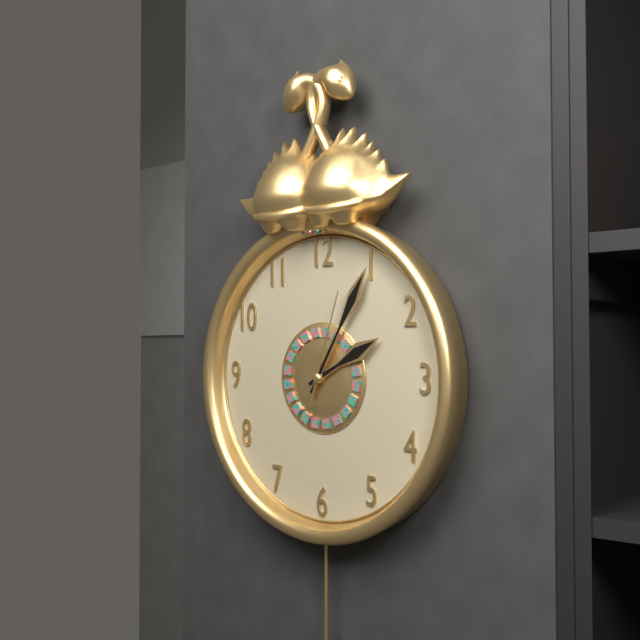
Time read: 2:05:03
